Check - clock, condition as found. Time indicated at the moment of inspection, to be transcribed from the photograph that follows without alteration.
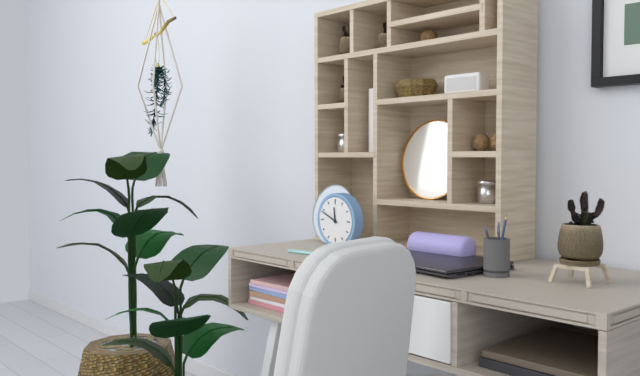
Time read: 11:49
